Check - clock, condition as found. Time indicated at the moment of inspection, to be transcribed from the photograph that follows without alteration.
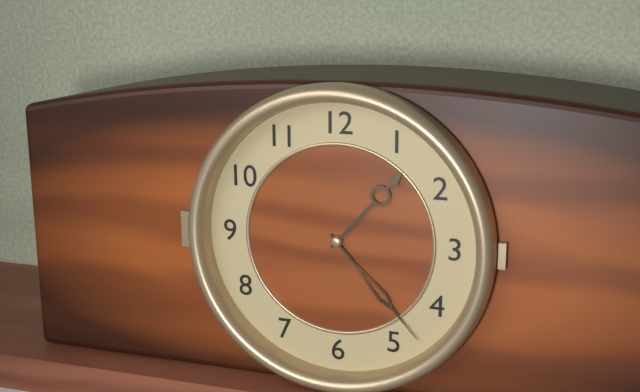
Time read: 1:23
